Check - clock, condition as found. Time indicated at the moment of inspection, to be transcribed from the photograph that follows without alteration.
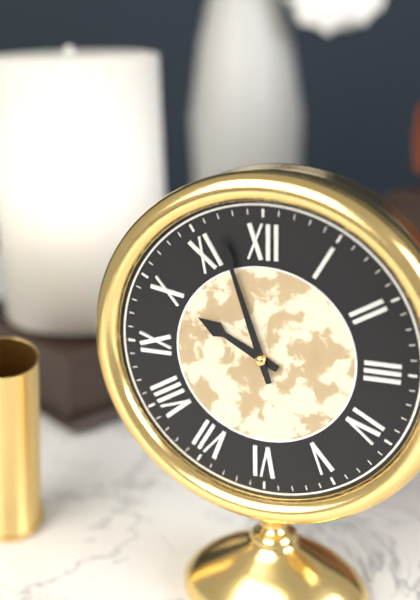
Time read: 9:57
